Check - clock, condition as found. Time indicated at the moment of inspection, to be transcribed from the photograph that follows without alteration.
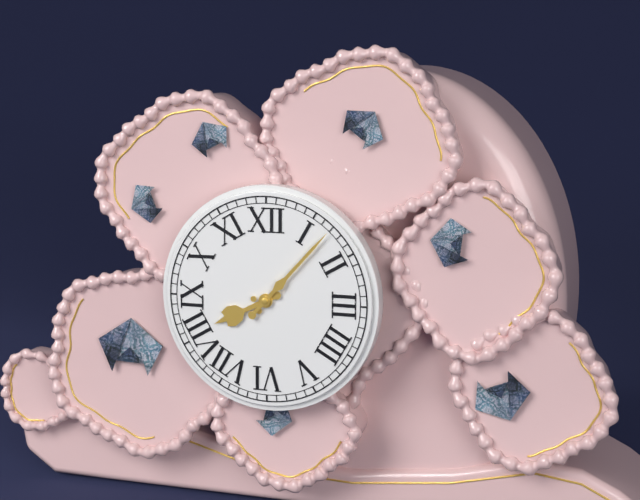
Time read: 8:07
